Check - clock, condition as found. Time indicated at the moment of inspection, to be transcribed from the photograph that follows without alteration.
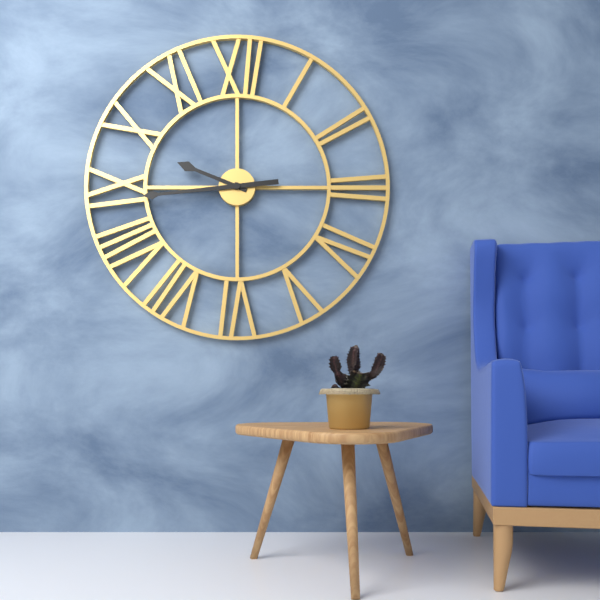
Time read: 9:44
